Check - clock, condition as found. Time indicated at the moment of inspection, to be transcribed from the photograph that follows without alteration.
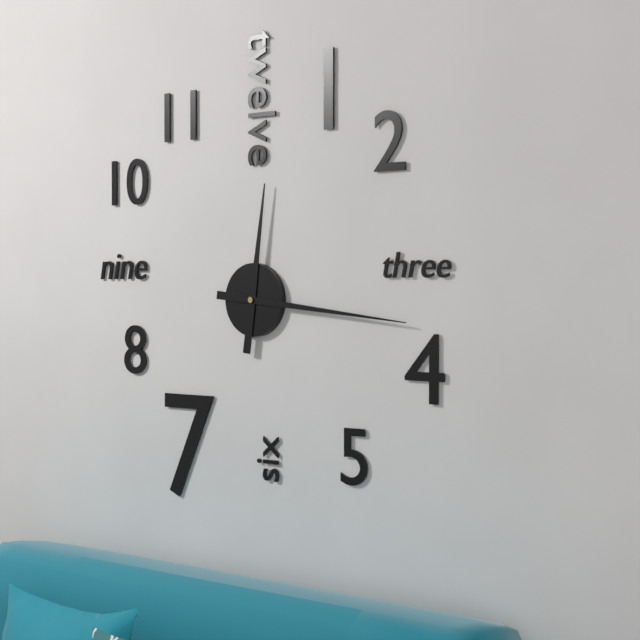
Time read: 12:16
